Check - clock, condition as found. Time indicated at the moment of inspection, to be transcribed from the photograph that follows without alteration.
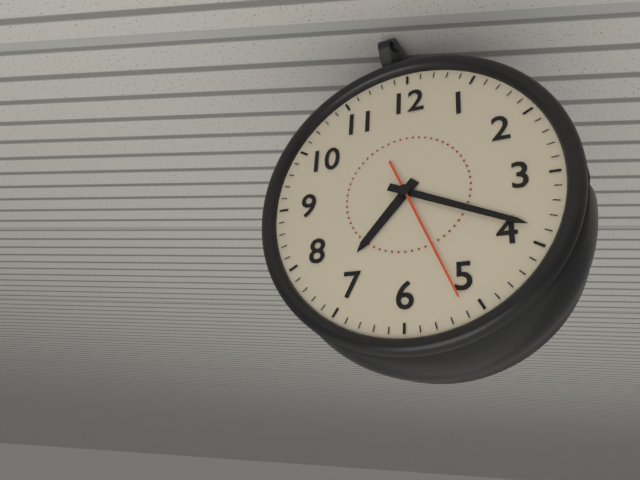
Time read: 7:19:26
